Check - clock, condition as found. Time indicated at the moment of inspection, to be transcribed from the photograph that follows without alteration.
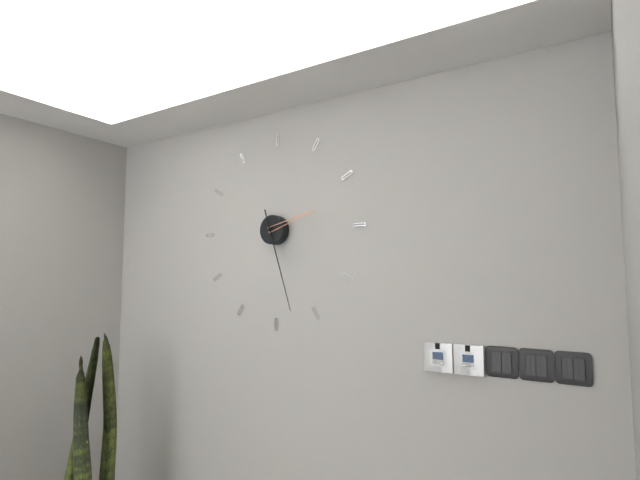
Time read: 2:27
